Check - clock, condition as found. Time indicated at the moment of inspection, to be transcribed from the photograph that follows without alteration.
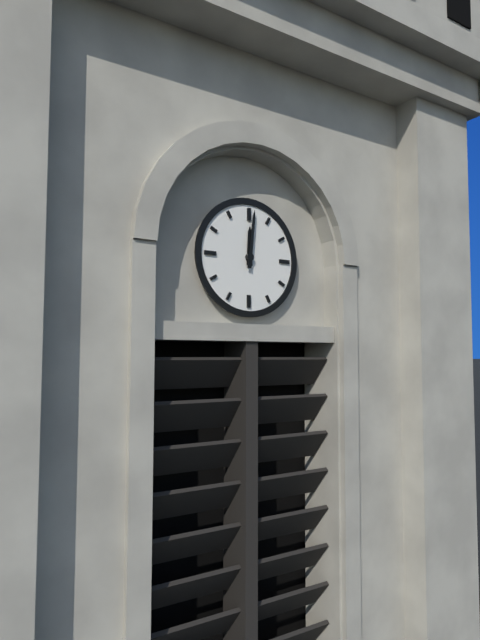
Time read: 12:01
